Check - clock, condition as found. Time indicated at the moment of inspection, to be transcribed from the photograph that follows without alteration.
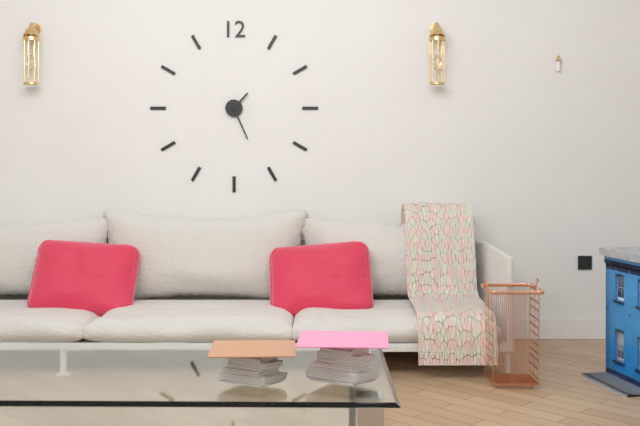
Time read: 1:26
